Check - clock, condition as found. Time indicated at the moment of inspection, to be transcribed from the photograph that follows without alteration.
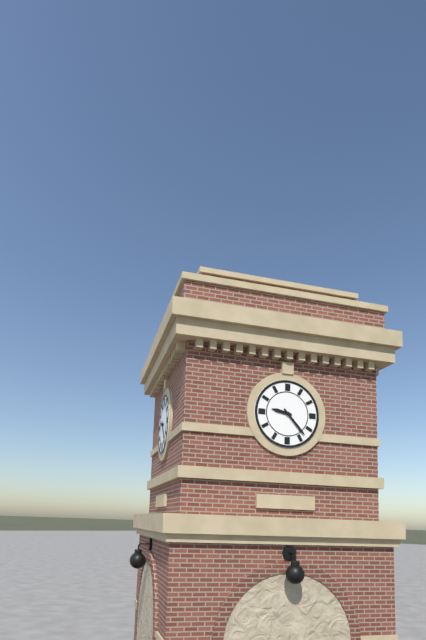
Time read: 9:23
